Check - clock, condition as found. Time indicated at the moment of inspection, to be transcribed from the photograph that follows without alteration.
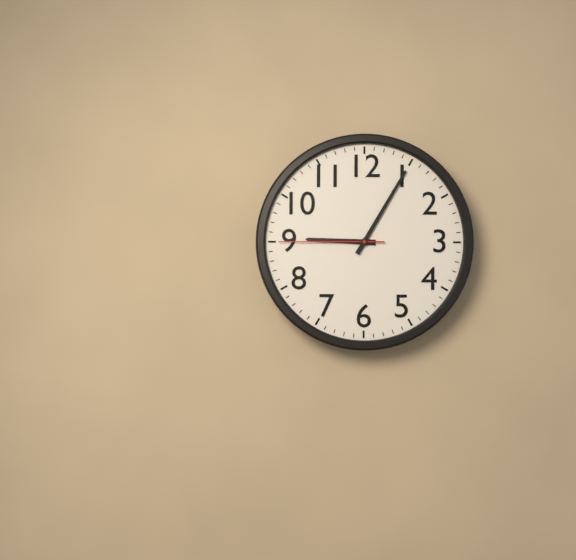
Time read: 9:05:45
